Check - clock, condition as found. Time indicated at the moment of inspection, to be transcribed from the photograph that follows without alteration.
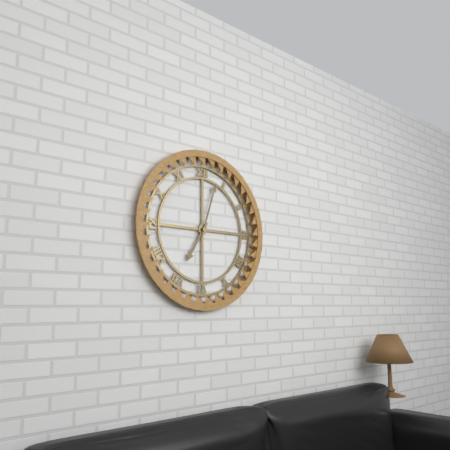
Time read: 7:03
